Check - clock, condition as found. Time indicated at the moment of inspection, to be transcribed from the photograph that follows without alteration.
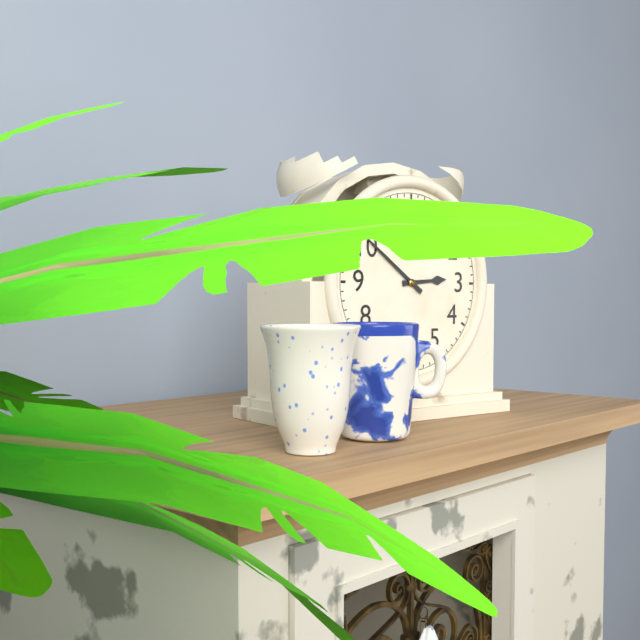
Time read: 2:51
